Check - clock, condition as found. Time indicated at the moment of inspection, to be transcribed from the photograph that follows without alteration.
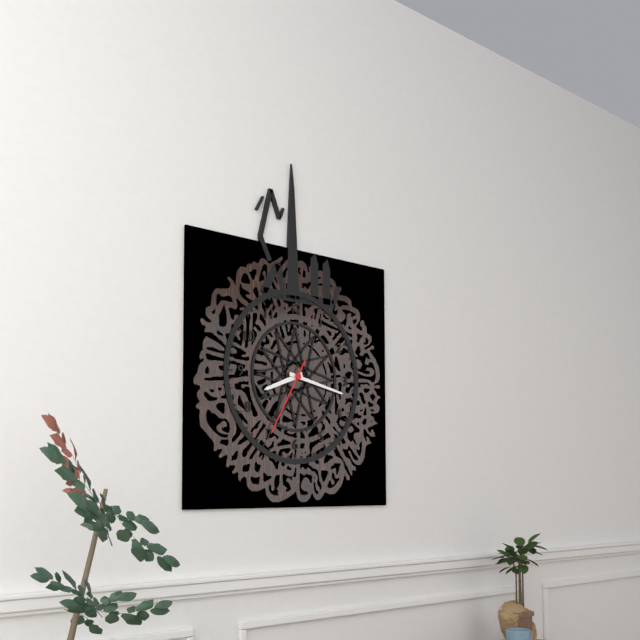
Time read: 8:17:35
